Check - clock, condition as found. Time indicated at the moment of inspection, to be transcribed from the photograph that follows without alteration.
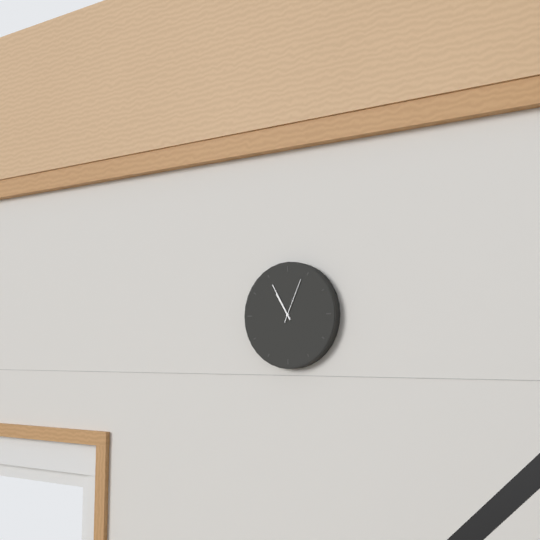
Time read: 10:55
